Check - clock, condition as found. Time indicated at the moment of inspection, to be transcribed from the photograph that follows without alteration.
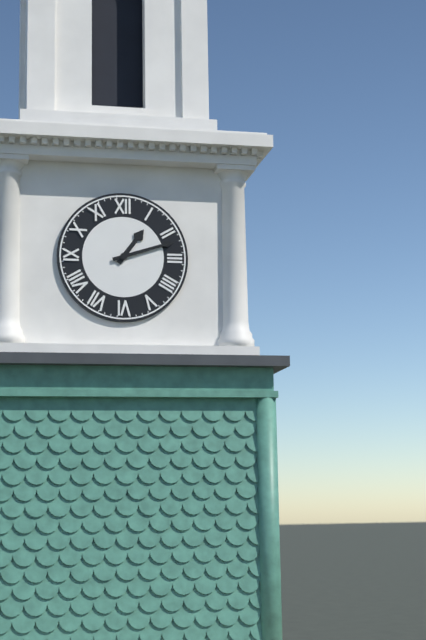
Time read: 1:12
